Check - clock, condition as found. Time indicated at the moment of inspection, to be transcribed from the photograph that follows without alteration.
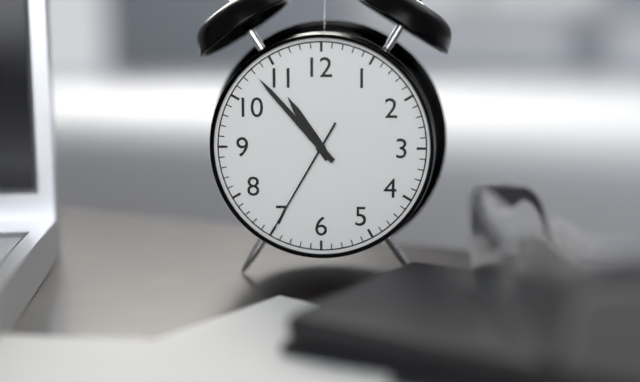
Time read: 10:53:35
